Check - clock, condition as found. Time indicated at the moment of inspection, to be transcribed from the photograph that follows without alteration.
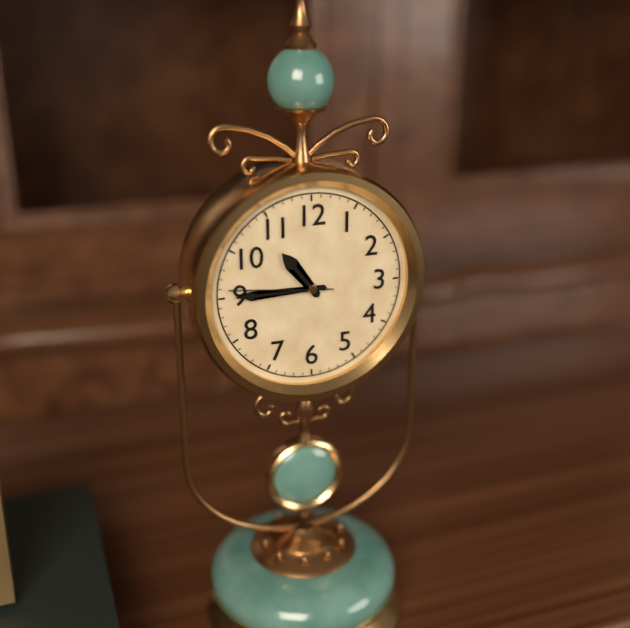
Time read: 10:45:46
